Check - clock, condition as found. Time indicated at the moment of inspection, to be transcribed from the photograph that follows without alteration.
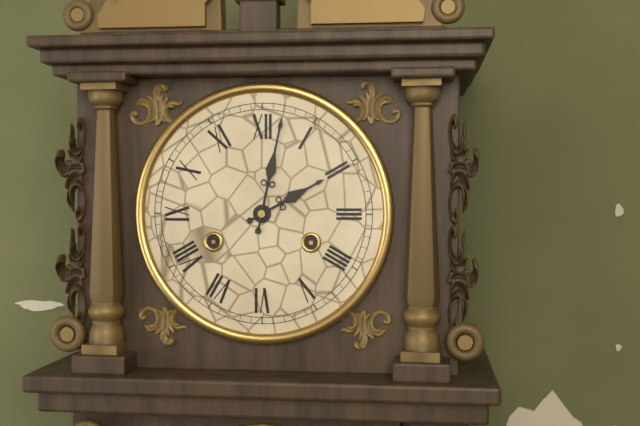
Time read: 2:02
